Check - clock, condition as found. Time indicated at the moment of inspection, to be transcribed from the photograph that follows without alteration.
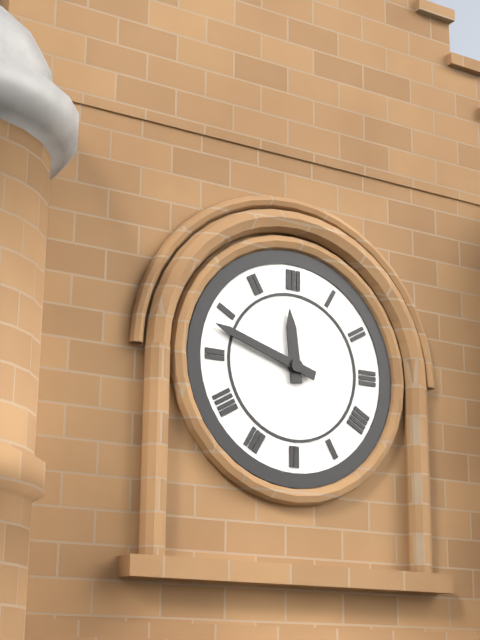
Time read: 11:48
